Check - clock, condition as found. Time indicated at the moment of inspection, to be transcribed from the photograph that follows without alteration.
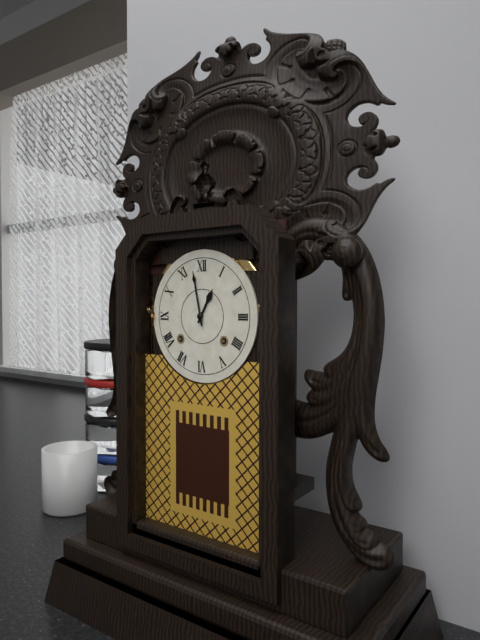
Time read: 12:58
